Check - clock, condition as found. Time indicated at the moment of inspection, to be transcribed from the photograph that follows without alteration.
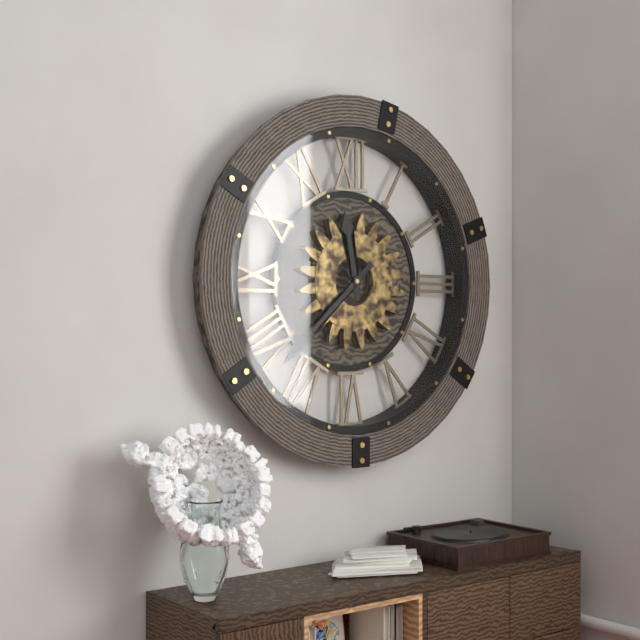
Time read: 11:38
